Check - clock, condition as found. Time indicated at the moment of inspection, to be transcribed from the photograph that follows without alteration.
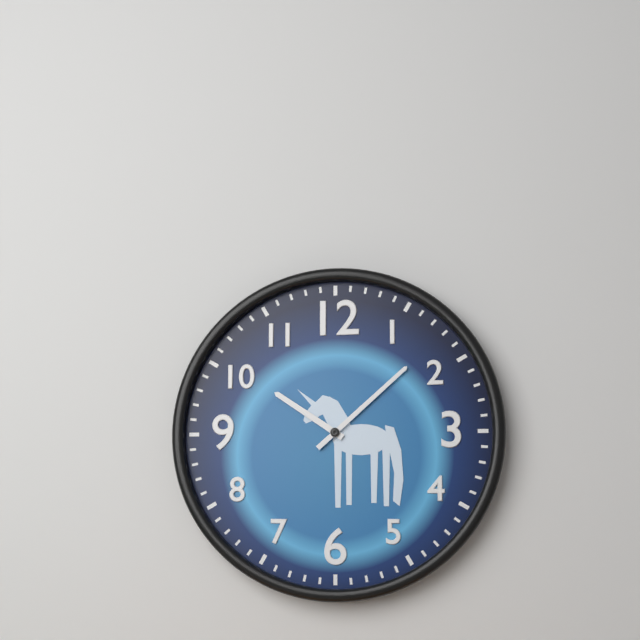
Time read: 10:08
